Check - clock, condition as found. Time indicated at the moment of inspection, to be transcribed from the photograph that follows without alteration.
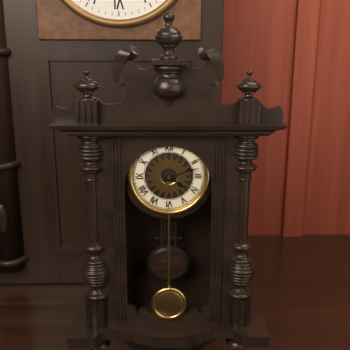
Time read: 4:12
